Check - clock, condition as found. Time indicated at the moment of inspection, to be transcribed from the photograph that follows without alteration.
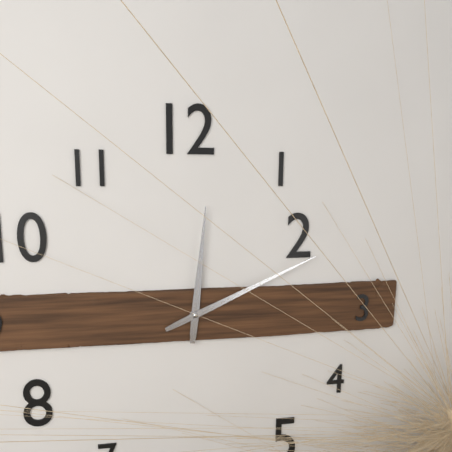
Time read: 12:11
